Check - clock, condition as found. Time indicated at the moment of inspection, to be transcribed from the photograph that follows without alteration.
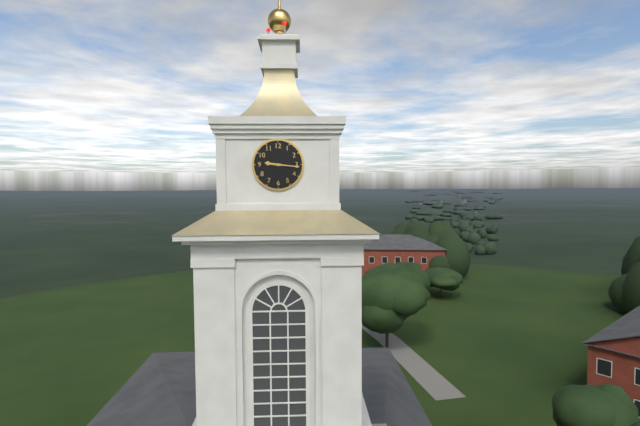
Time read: 9:16
